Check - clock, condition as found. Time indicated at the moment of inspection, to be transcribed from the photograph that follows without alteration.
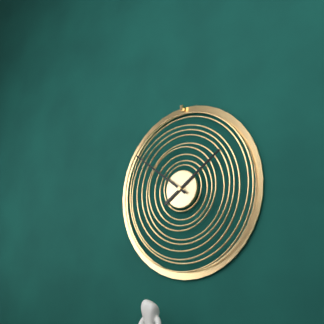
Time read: 1:51
